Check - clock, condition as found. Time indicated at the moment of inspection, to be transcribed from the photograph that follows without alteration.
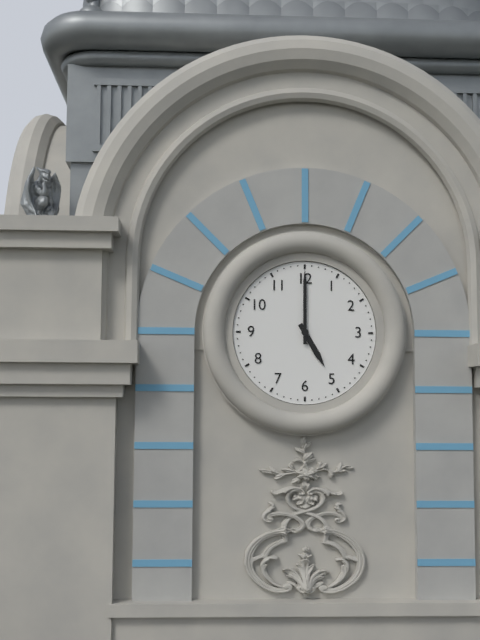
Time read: 5:00
